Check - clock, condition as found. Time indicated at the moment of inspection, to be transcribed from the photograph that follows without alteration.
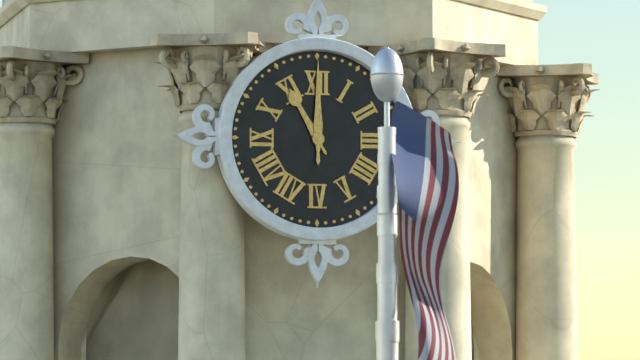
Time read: 11:00
